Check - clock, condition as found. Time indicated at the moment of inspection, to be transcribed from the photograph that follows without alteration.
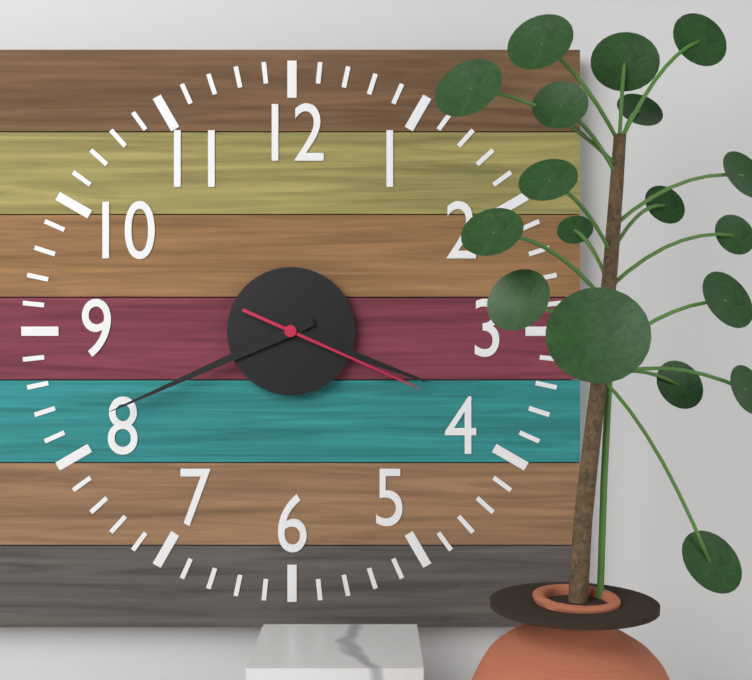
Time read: 3:41:19
